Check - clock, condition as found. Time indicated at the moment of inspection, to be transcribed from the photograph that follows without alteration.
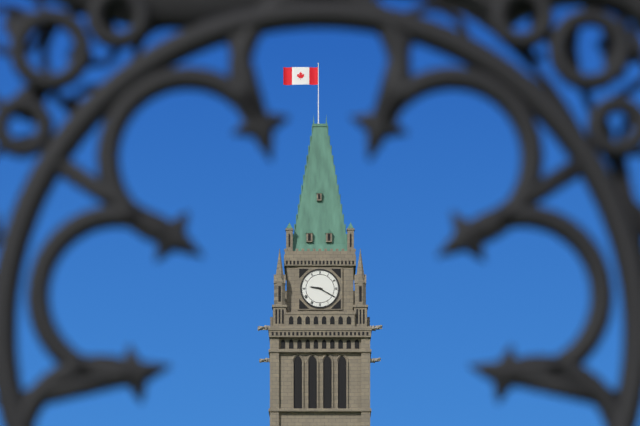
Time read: 9:20
